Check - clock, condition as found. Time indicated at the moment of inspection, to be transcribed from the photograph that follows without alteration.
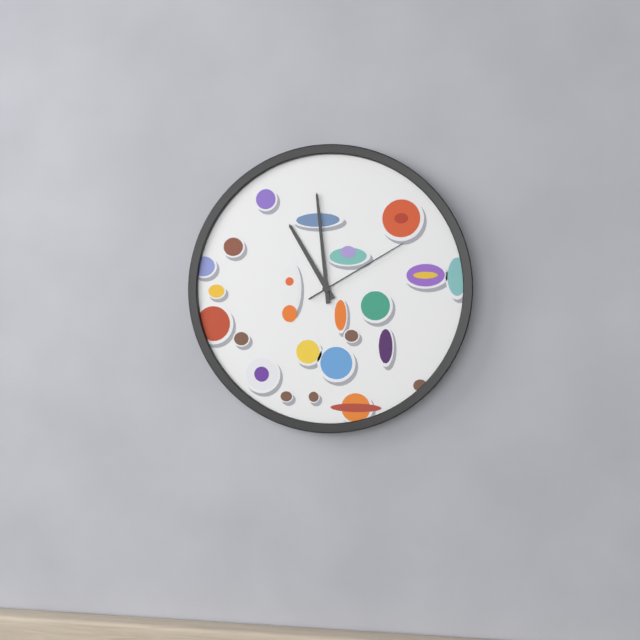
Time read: 10:59:10
